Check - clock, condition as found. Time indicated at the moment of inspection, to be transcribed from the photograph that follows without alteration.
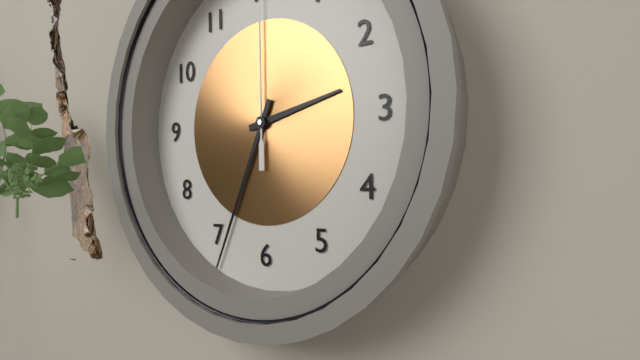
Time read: 2:34
